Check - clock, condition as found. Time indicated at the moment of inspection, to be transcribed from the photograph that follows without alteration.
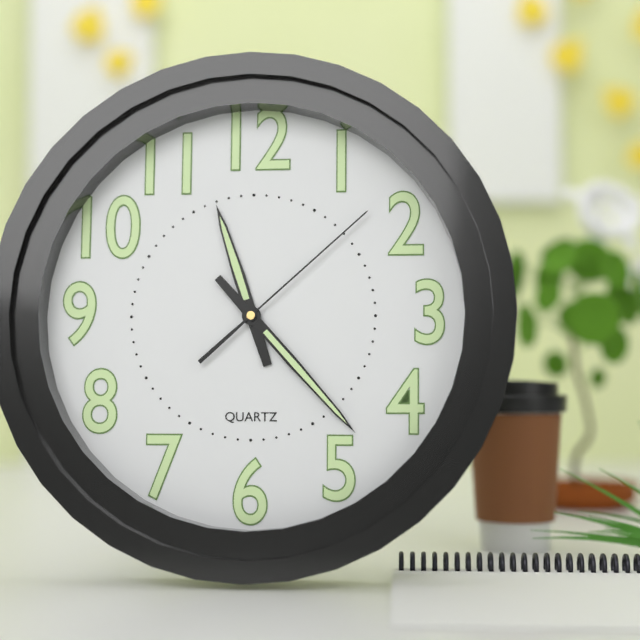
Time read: 11:23:08
